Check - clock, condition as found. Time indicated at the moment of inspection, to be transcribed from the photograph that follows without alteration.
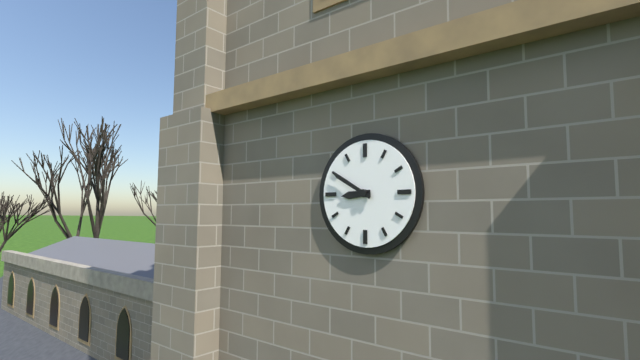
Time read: 8:50
